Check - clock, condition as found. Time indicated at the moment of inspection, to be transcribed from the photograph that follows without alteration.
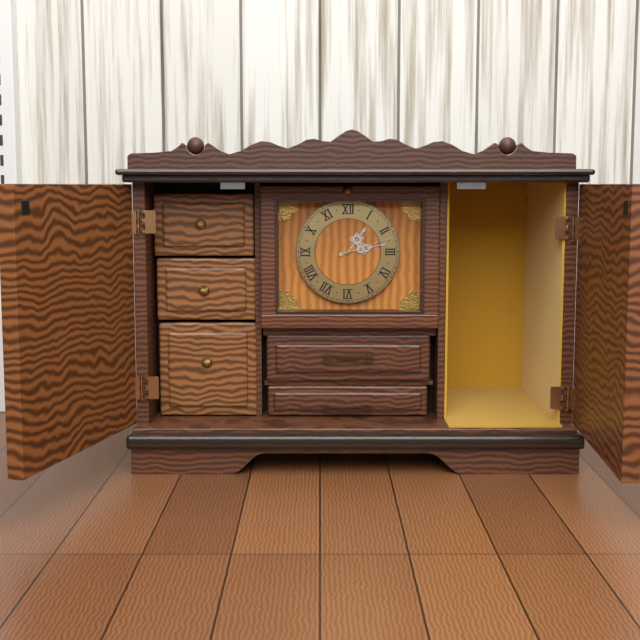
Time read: 1:13:12
